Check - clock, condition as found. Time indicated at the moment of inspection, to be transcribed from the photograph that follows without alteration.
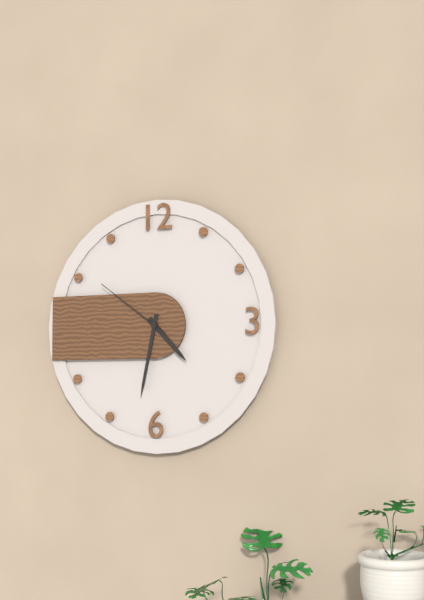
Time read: 4:32:51
